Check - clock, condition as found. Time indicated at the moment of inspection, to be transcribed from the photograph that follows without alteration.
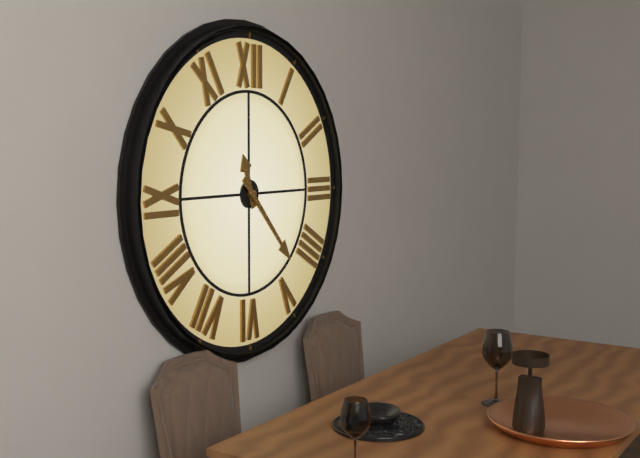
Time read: 11:23
